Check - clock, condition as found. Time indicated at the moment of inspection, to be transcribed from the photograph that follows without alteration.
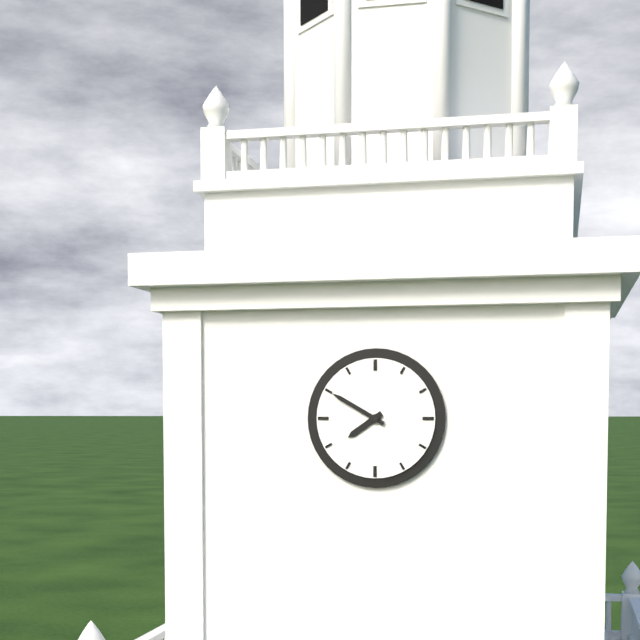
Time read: 7:50
